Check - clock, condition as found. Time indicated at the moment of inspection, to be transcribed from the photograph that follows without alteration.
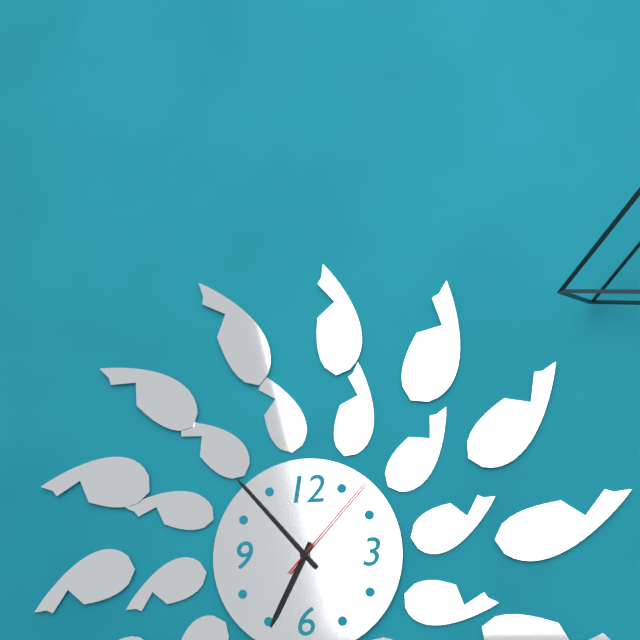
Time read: 6:53:07
